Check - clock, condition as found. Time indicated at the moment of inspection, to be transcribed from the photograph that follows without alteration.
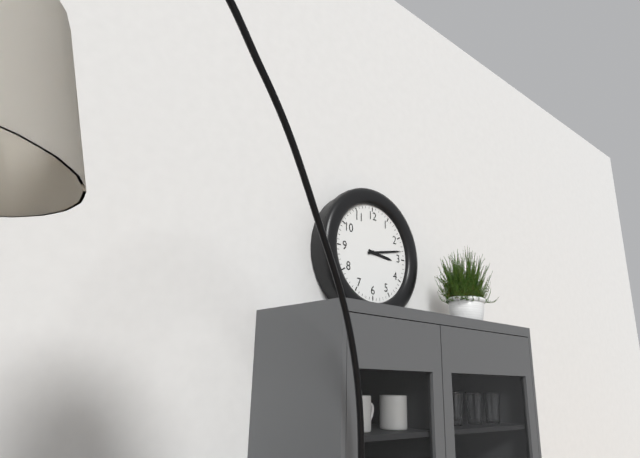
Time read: 3:13
